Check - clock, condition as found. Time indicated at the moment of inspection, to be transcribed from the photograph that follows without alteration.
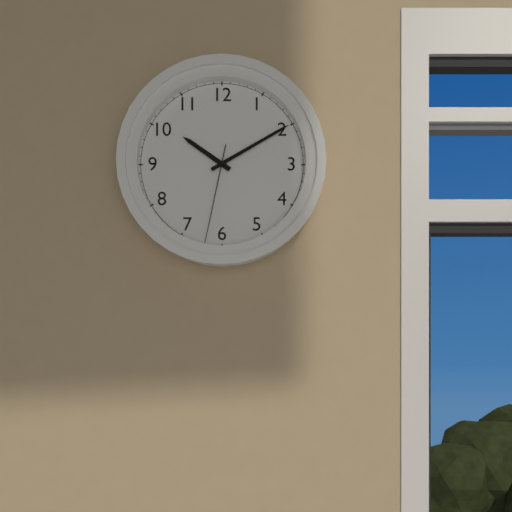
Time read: 10:10:32
